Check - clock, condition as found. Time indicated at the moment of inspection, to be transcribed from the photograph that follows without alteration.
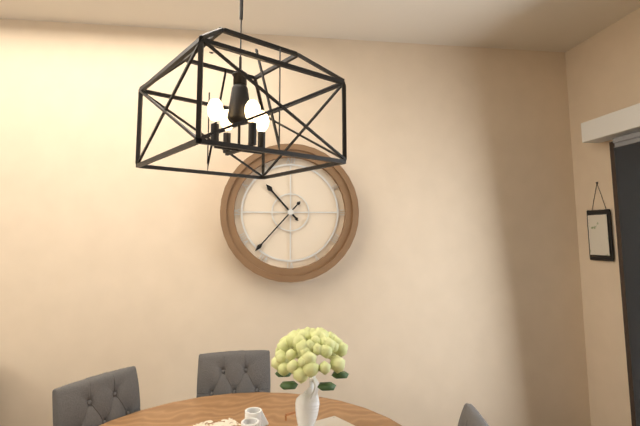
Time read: 10:37
